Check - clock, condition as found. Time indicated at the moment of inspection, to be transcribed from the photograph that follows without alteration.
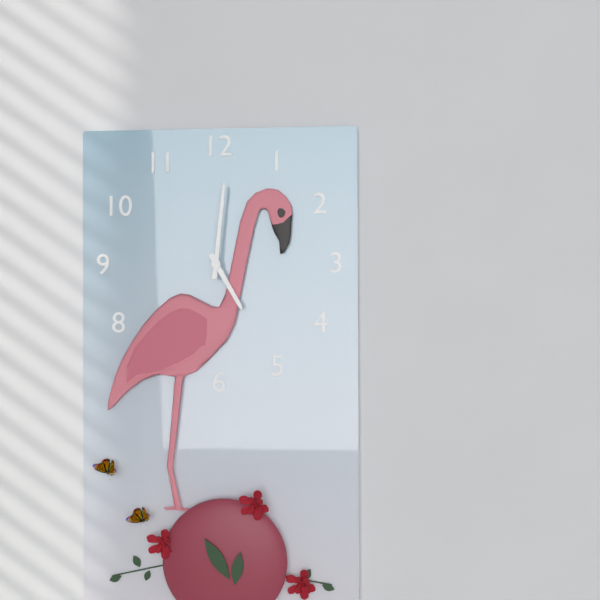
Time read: 5:01
